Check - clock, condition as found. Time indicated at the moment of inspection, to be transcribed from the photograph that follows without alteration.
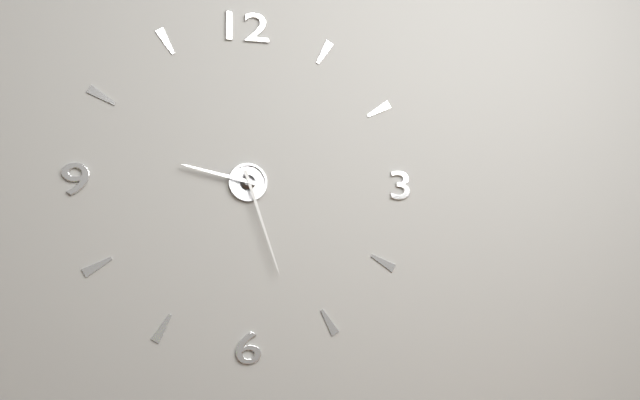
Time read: 9:27
